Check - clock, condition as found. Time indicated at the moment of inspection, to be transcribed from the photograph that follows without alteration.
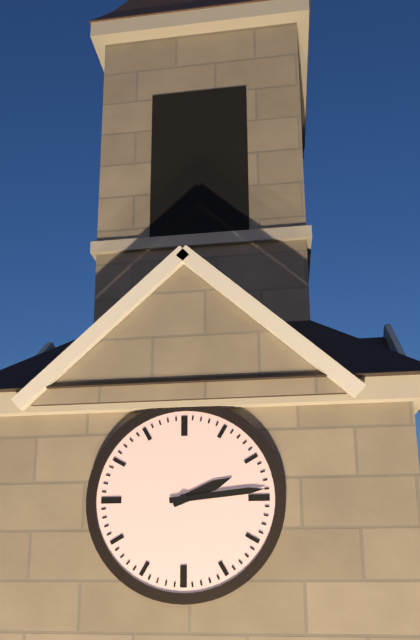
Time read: 2:14
